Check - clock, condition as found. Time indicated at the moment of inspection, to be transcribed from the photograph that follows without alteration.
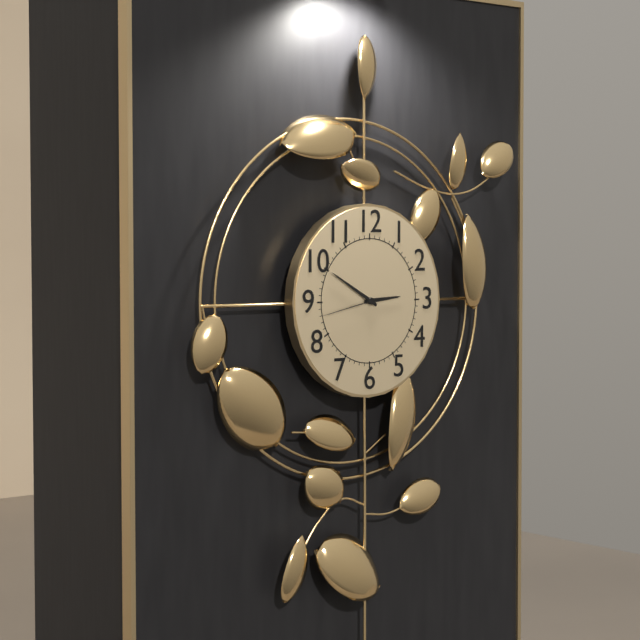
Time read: 2:50:43
